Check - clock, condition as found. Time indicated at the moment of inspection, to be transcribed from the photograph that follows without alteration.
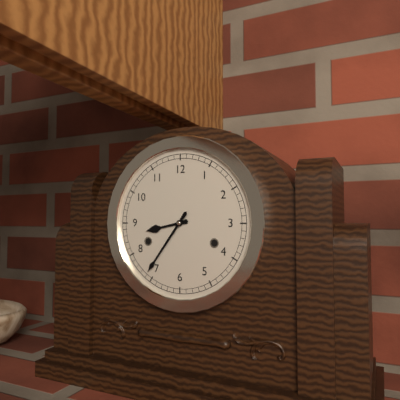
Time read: 8:36
